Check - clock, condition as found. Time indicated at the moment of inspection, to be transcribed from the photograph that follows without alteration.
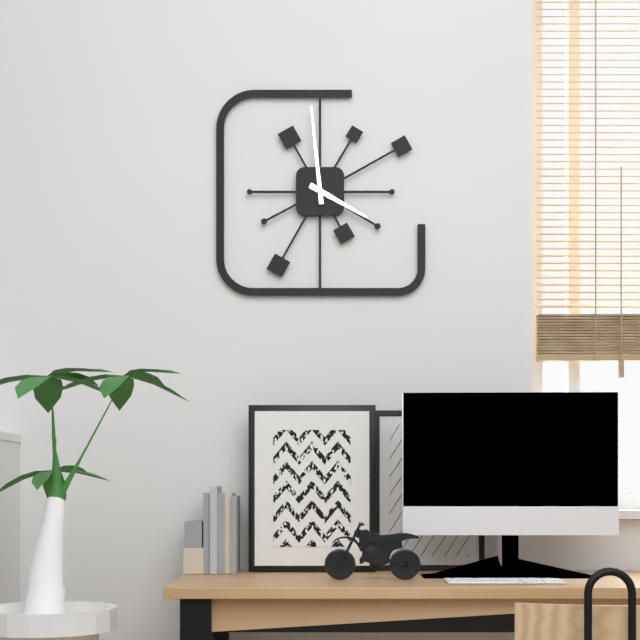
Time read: 3:59
